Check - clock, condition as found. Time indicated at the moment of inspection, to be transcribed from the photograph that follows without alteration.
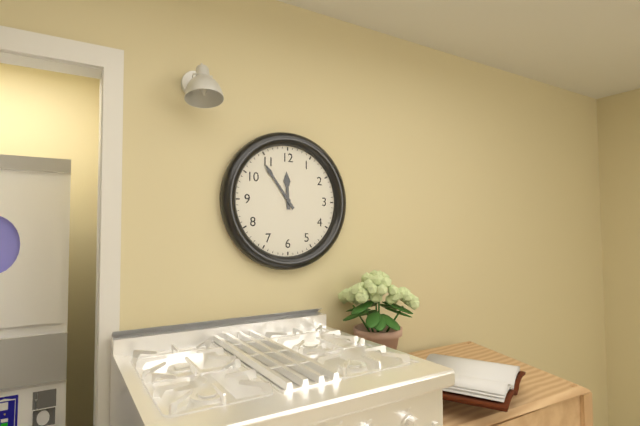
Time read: 11:54
